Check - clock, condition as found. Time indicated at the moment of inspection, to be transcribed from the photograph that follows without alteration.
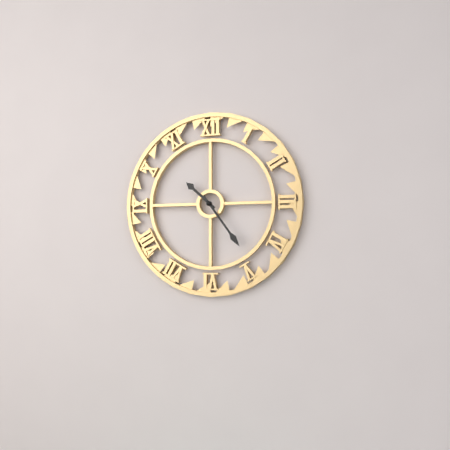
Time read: 10:24
